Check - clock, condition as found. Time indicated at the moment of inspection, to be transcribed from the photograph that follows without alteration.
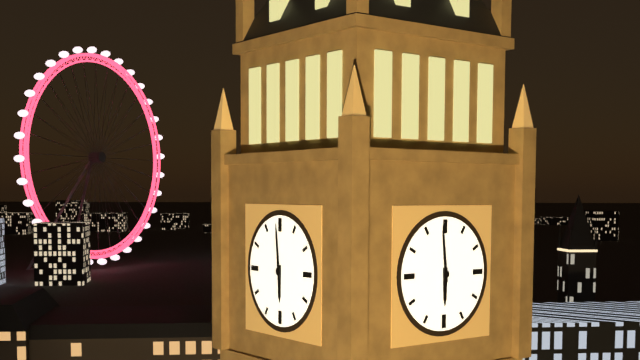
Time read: 5:59
